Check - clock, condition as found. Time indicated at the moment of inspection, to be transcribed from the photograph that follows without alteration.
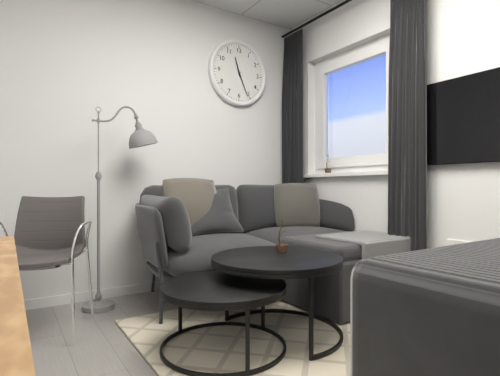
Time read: 11:26
